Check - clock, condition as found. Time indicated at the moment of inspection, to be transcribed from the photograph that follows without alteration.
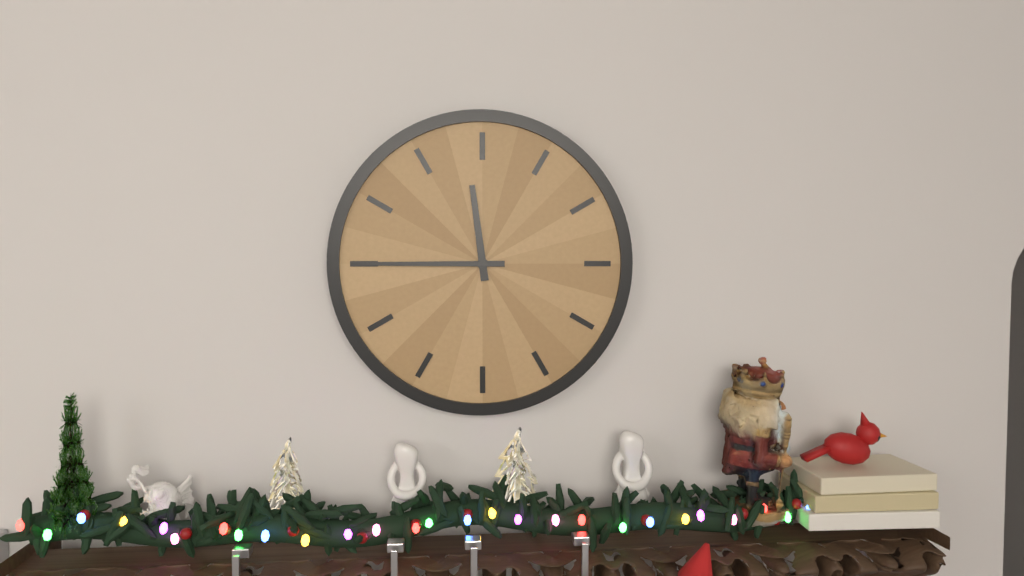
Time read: 11:45
